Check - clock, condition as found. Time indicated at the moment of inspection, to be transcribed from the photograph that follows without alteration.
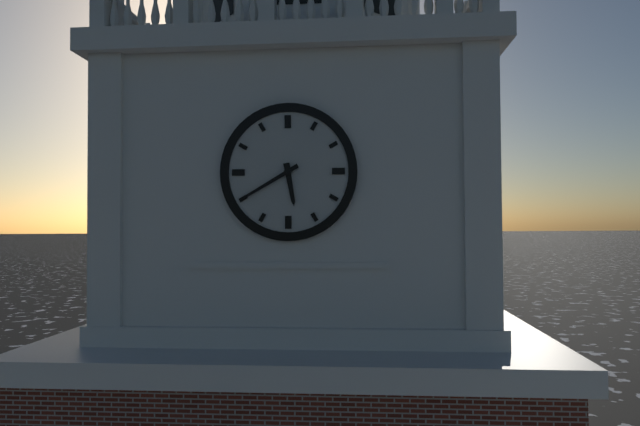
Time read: 5:40
